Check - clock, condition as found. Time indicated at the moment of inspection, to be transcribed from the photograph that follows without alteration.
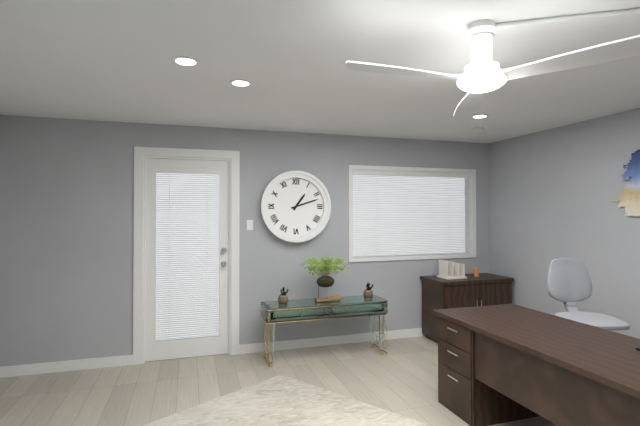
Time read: 1:12
